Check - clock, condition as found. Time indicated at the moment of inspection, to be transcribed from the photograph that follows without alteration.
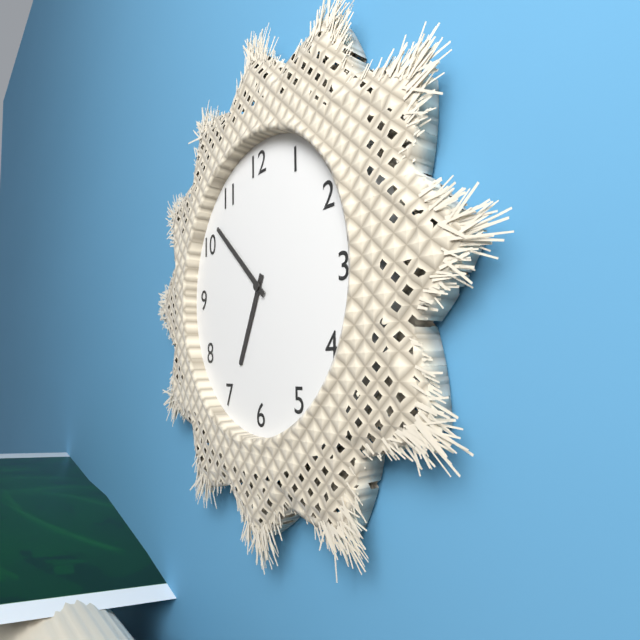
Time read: 6:52
